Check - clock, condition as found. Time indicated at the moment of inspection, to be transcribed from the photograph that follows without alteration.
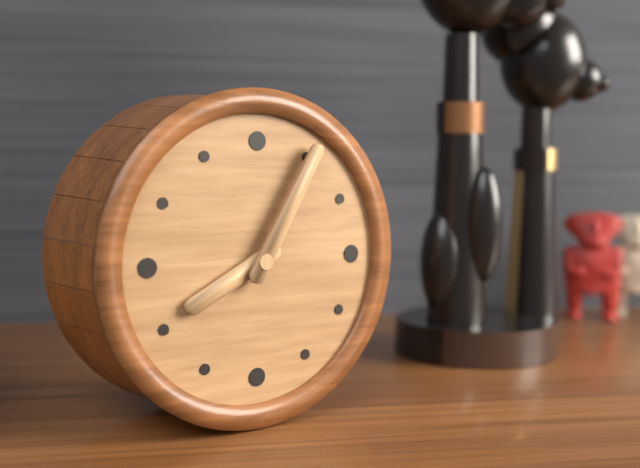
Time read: 8:05
